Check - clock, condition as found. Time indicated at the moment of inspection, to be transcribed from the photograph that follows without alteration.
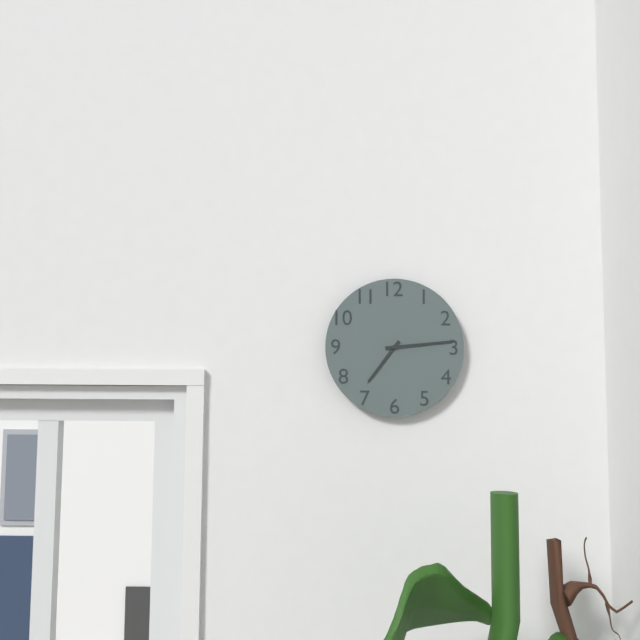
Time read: 7:14
